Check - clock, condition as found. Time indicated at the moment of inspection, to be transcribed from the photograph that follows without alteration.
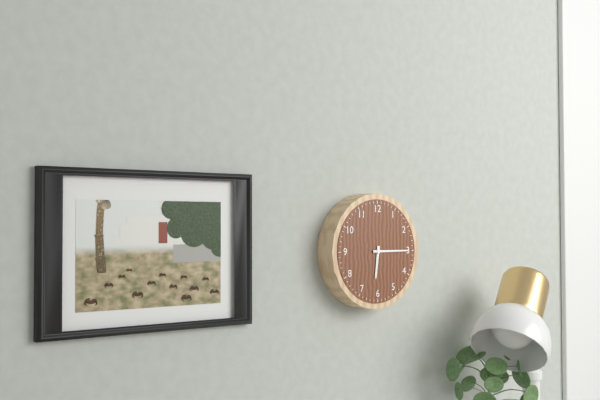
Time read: 6:15
